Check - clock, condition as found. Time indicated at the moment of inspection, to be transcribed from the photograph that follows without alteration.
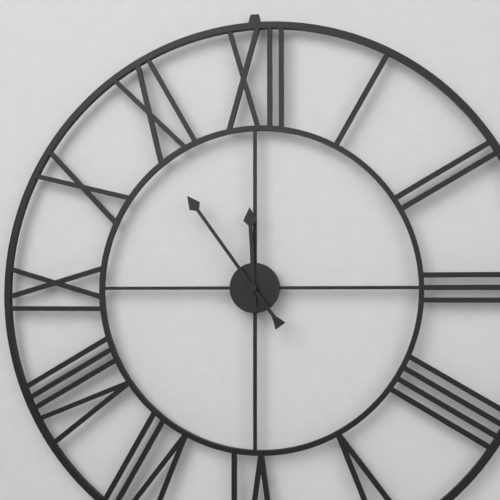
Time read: 11:54
